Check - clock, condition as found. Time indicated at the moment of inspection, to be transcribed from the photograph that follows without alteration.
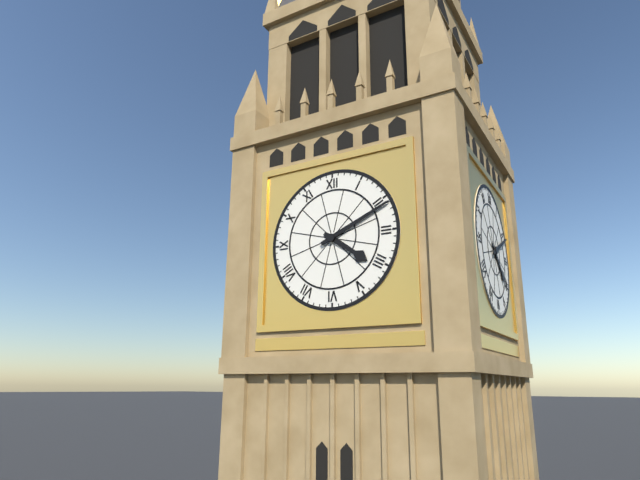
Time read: 4:11
